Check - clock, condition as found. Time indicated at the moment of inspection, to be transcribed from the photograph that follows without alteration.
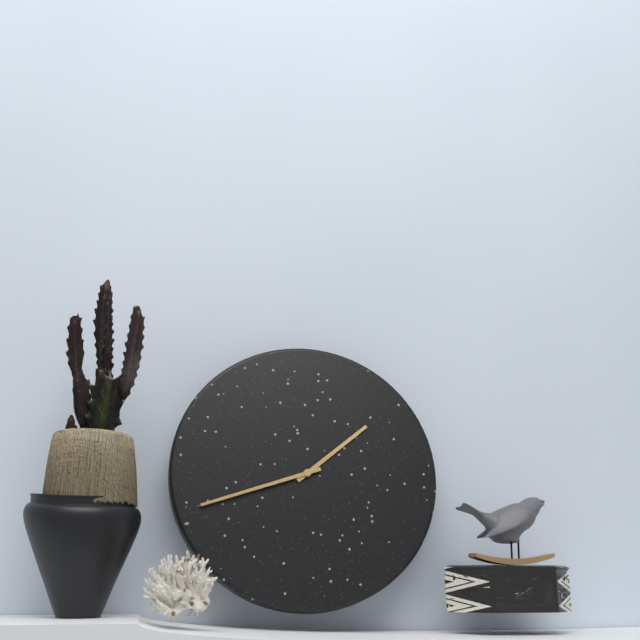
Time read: 1:42
